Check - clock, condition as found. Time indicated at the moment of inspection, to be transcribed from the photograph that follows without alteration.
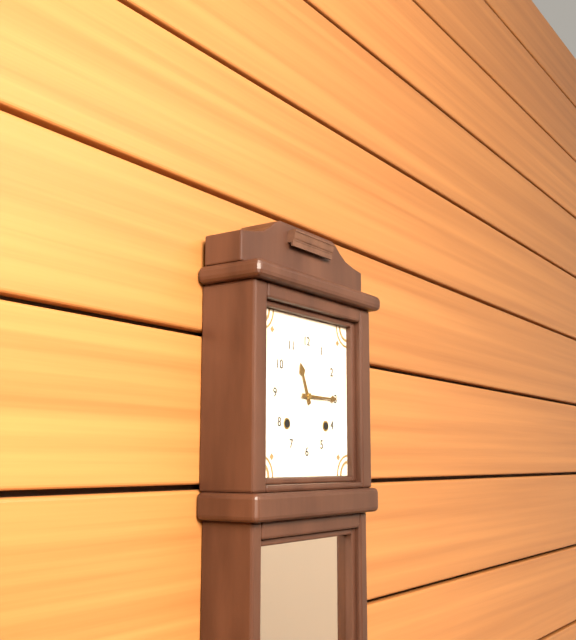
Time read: 11:15
